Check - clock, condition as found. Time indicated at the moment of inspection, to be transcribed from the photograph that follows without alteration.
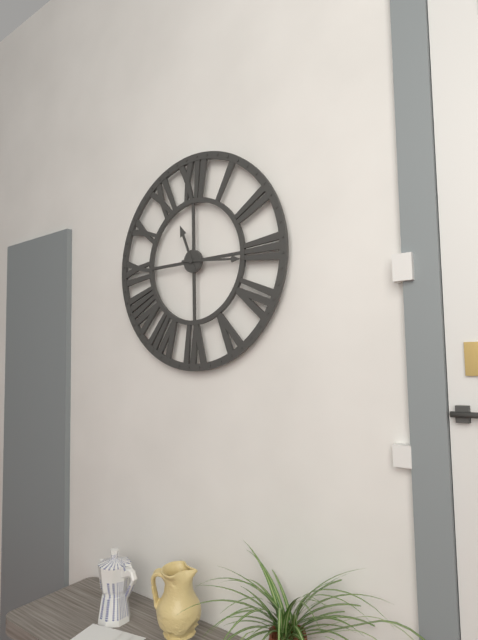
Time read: 11:16
